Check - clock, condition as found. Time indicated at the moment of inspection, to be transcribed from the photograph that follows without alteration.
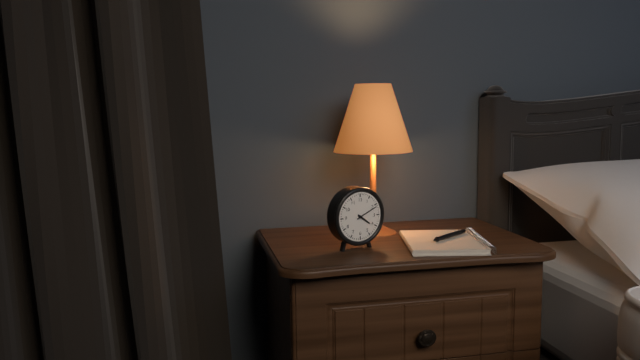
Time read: 4:11
